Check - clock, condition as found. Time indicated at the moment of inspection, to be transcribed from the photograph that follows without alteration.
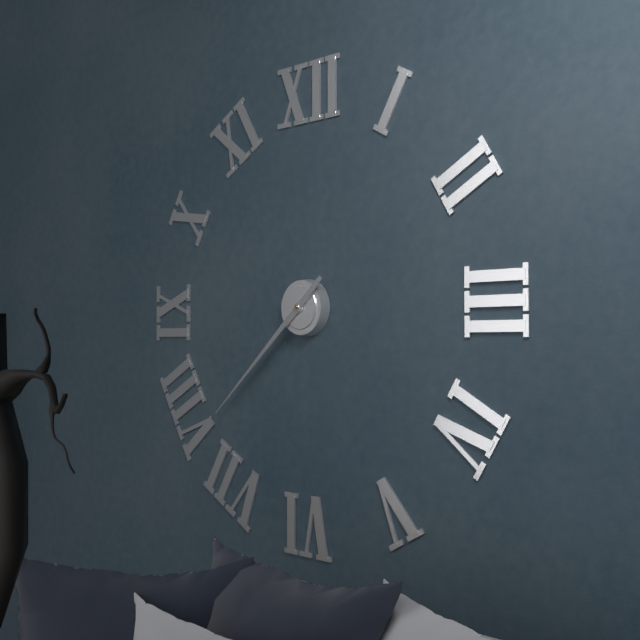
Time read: 7:38
